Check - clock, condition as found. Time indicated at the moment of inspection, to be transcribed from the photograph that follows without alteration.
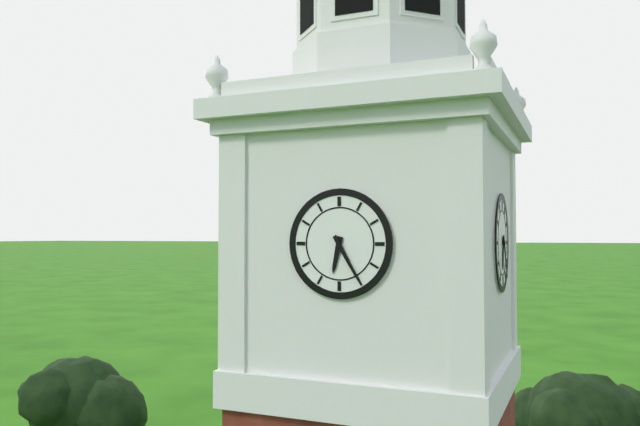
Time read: 6:25
